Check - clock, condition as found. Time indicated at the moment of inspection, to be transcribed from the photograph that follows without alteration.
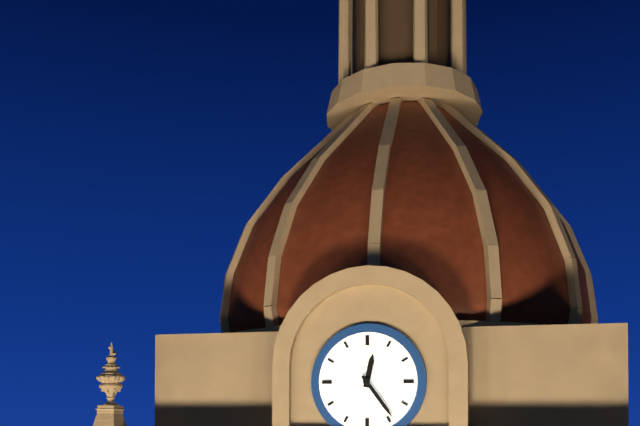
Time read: 12:24
